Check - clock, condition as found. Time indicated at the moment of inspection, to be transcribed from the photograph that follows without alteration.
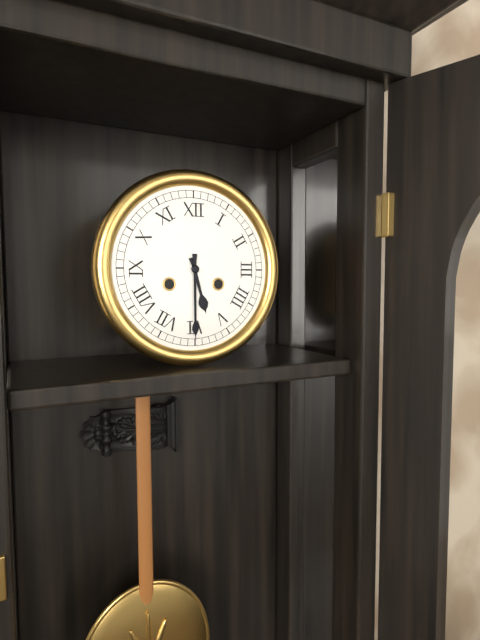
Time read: 5:30
